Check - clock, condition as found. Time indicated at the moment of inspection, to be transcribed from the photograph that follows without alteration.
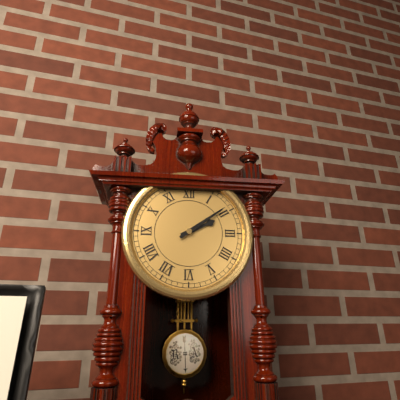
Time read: 2:09
